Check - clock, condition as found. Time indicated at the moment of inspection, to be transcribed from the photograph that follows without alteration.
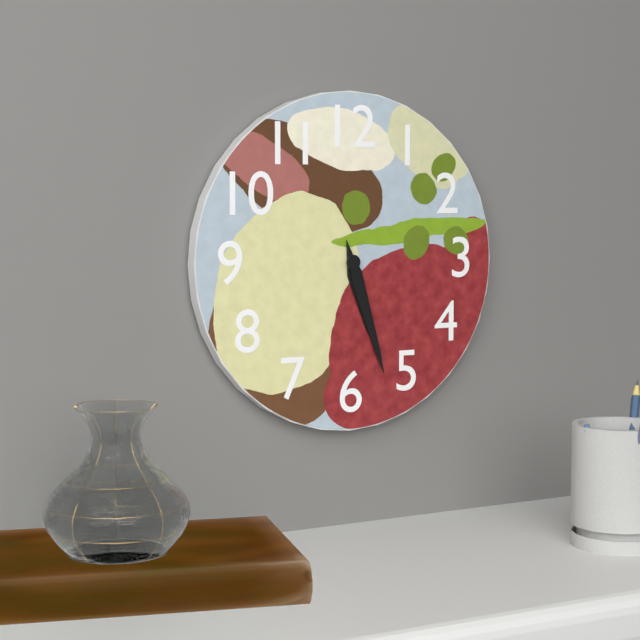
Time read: 5:27
